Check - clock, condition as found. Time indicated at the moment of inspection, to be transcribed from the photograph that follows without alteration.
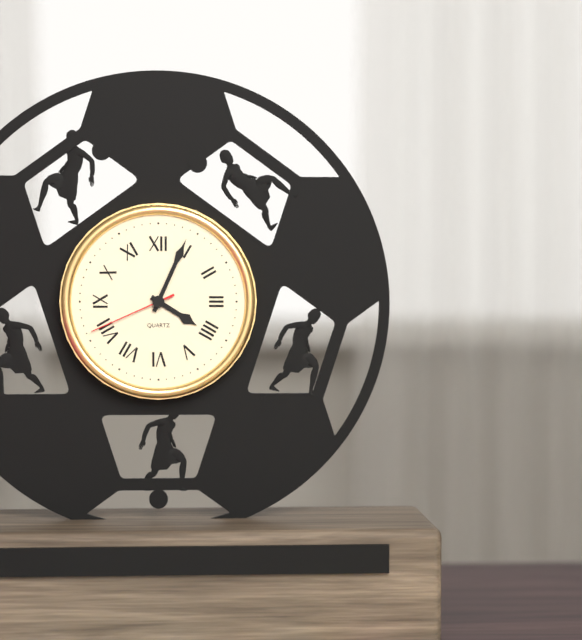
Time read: 4:04:41
